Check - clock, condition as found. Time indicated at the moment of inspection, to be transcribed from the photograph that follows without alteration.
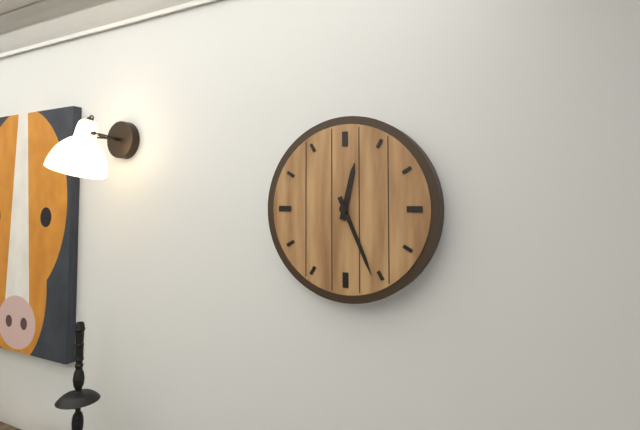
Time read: 12:26
